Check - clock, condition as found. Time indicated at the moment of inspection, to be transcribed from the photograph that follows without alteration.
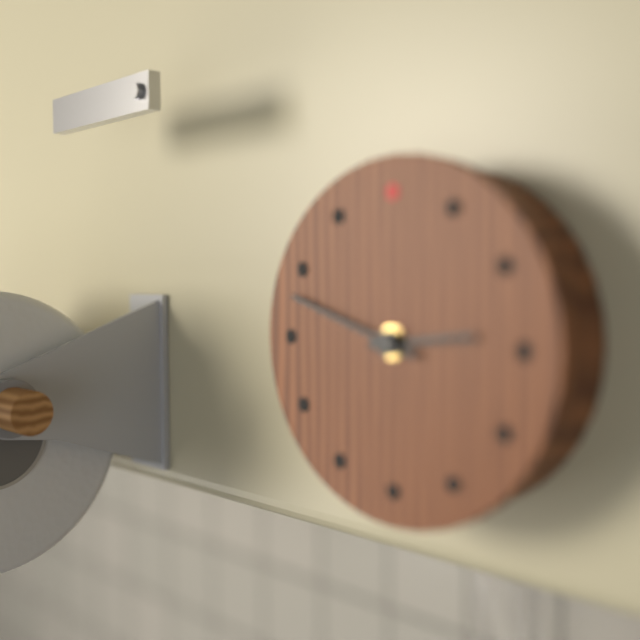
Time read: 2:48
